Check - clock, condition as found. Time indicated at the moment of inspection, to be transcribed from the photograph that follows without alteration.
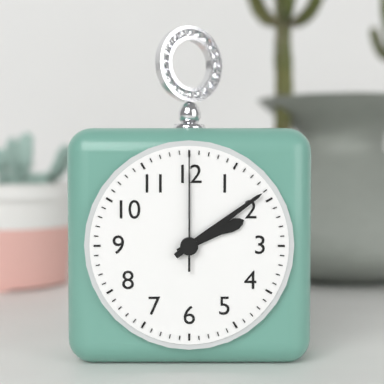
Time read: 2:09:00
